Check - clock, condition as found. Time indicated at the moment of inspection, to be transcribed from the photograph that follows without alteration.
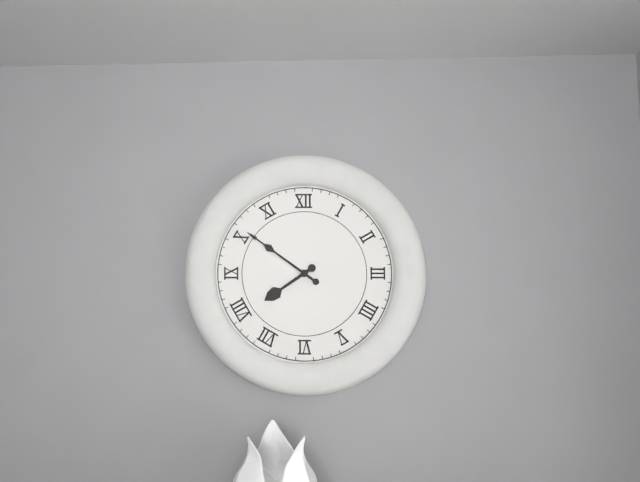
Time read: 7:51
